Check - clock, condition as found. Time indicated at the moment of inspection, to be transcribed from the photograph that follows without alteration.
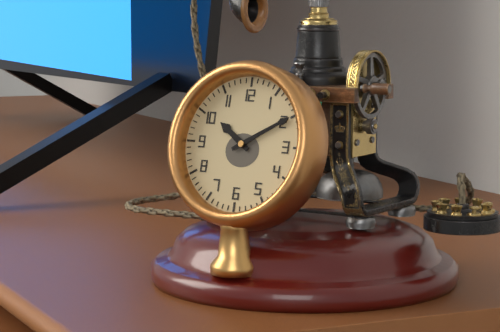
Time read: 10:10
